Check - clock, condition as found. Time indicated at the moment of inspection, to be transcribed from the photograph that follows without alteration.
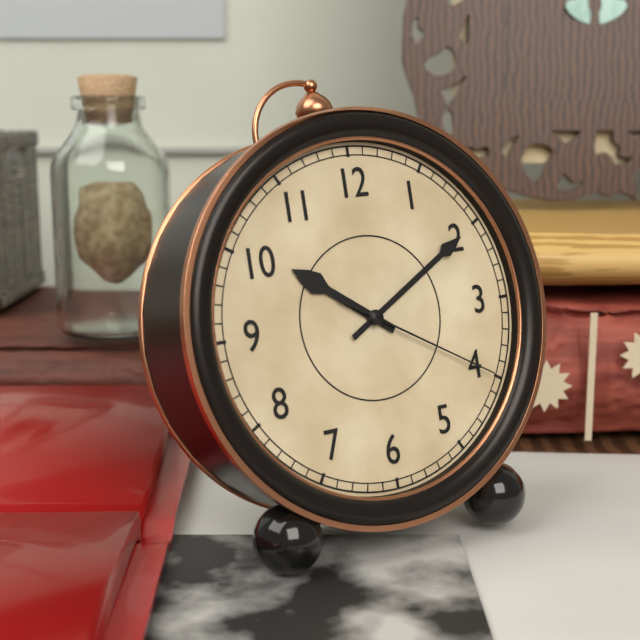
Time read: 10:10:20
